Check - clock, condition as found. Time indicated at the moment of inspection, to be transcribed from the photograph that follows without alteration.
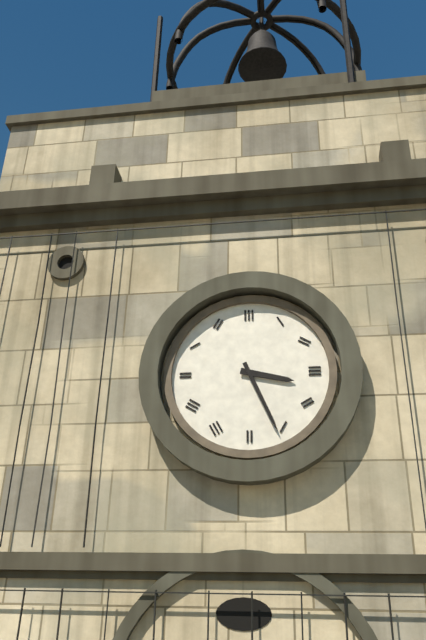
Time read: 3:26
